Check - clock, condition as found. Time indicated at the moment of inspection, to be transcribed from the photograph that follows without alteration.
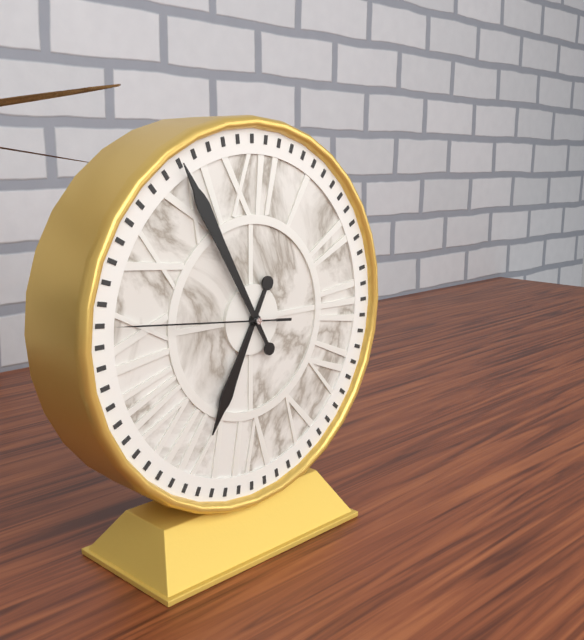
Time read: 6:55:46
